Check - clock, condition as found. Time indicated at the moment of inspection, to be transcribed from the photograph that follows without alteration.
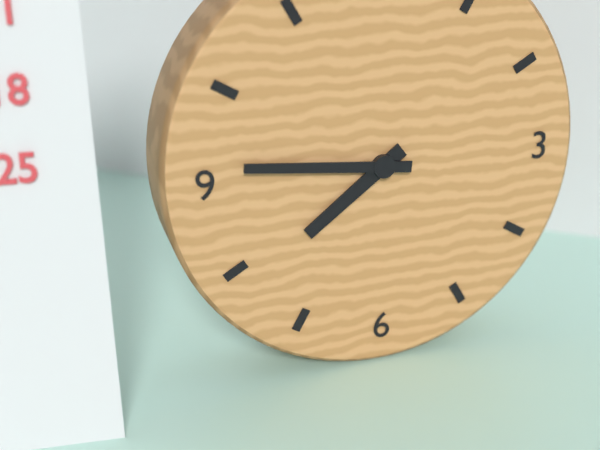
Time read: 7:46
